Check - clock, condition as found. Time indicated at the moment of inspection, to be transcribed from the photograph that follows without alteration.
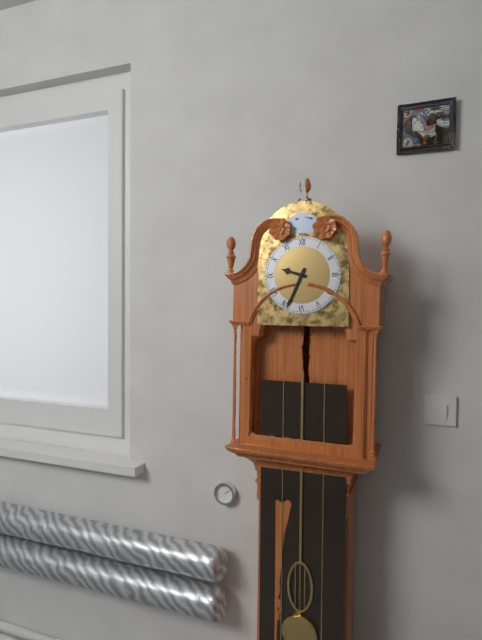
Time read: 9:34
